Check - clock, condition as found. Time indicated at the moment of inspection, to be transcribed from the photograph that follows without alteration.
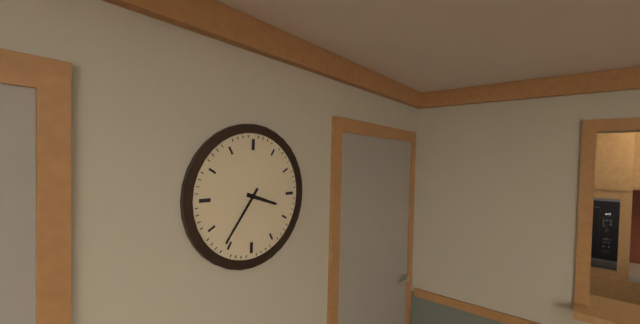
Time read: 3:36
